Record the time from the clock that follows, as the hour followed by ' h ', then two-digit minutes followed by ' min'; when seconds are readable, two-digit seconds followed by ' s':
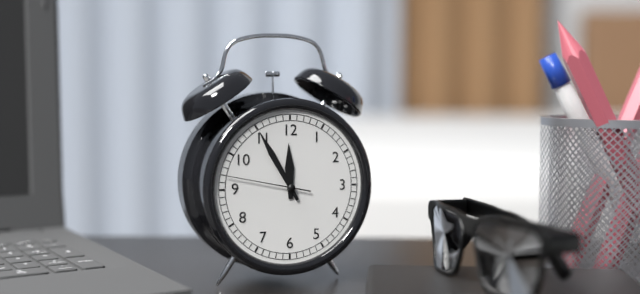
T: 11 h 55 min 47 s
